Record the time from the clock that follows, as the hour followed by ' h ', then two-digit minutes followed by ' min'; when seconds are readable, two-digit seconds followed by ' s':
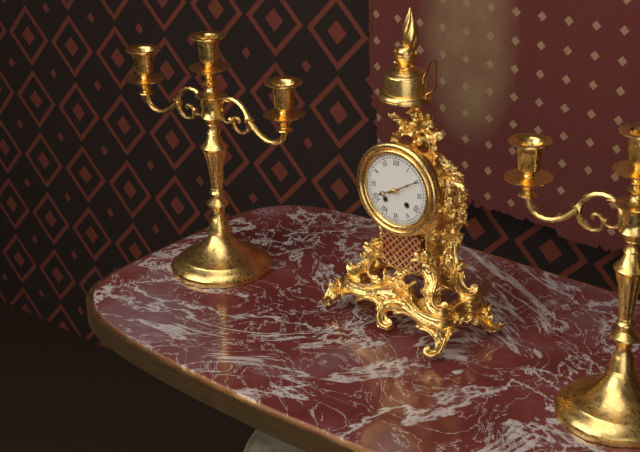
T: 8 h 10 min
